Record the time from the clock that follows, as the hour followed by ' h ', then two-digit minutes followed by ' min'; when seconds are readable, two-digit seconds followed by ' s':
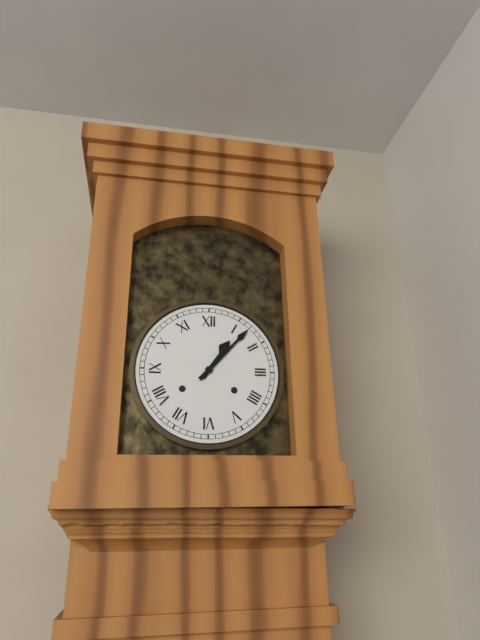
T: 1 h 07 min
